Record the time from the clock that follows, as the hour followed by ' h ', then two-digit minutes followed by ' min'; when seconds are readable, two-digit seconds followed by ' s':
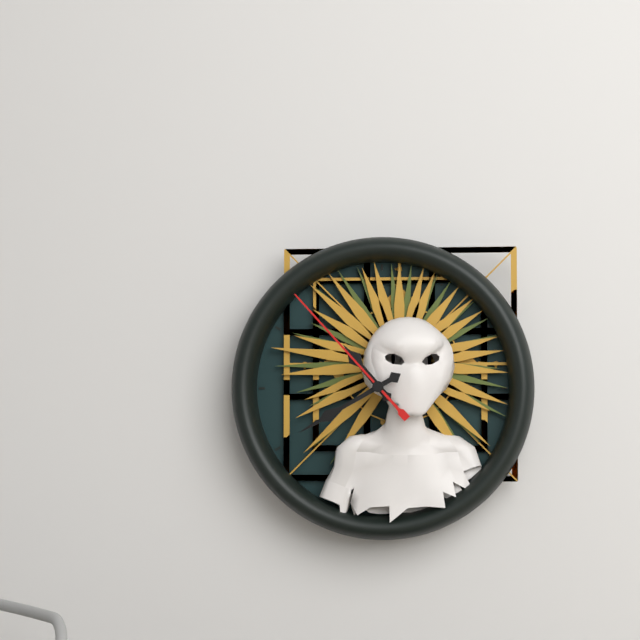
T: 10 h 40 min 53 s
